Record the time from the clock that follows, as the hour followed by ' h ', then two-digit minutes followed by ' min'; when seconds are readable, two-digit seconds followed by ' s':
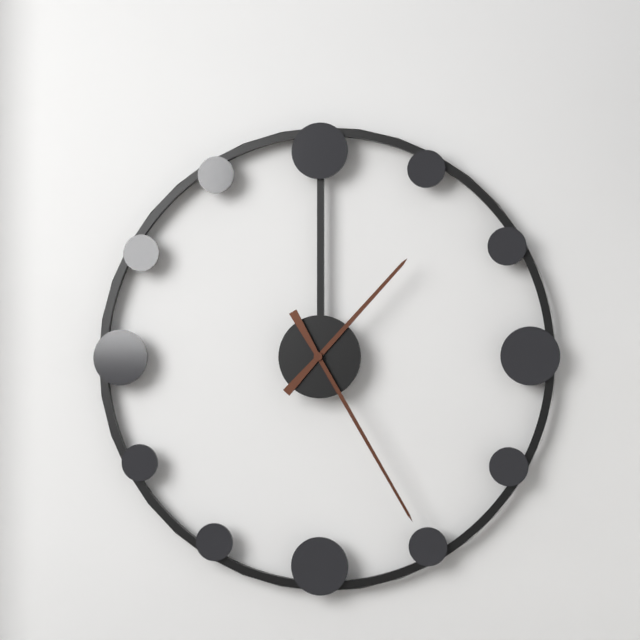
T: 1 h 25 min
